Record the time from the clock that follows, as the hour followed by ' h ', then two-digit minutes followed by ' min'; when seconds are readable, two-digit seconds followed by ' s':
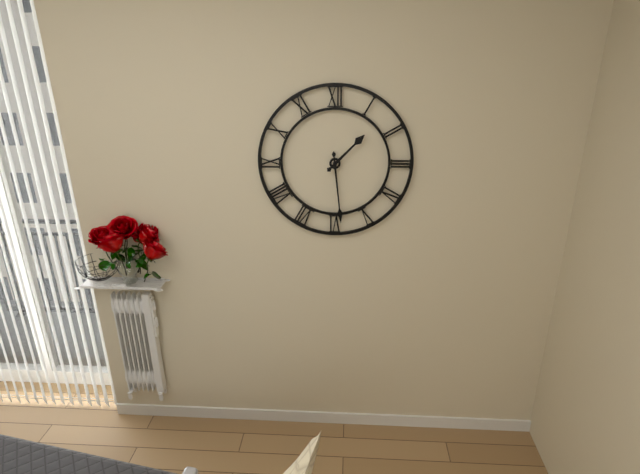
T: 1 h 29 min
